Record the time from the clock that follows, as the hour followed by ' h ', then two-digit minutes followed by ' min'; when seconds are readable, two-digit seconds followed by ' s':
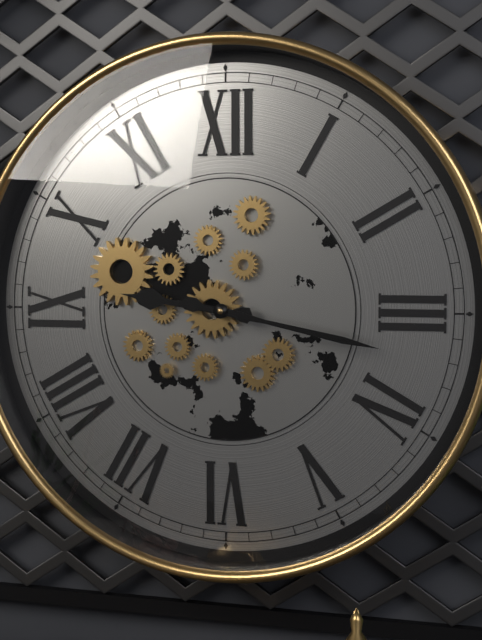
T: 9 h 17 min
